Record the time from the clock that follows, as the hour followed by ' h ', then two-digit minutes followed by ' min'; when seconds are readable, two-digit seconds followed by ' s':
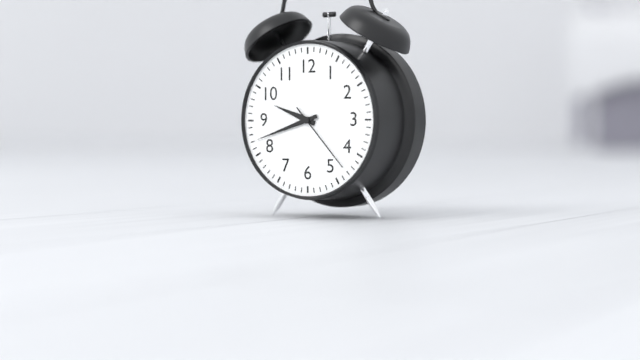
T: 9 h 42 min 23 s
